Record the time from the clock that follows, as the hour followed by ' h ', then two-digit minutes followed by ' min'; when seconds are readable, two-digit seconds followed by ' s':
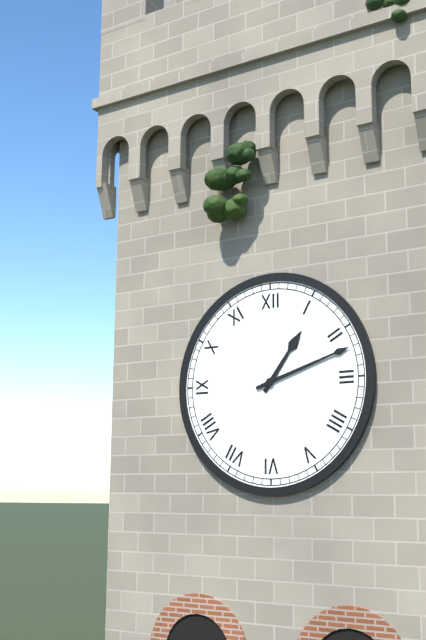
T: 1 h 12 min
